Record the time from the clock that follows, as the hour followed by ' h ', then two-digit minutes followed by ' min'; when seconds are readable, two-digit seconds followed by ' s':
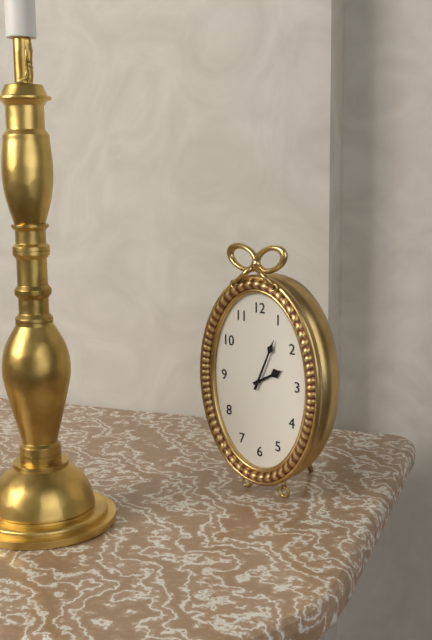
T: 2 h 04 min
